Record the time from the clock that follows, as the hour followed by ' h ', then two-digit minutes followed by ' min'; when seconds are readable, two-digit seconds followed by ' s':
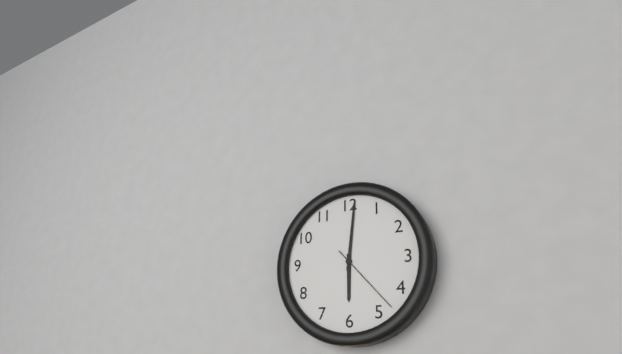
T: 6 h 01 min 23 s
